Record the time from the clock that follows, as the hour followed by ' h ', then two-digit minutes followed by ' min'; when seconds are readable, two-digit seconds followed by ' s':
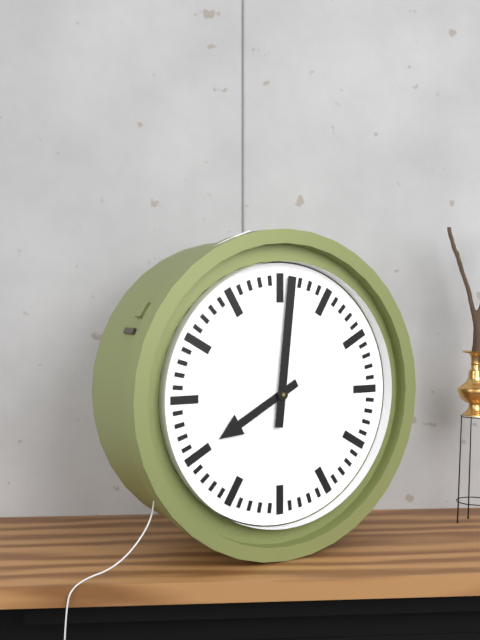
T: 8 h 01 min
